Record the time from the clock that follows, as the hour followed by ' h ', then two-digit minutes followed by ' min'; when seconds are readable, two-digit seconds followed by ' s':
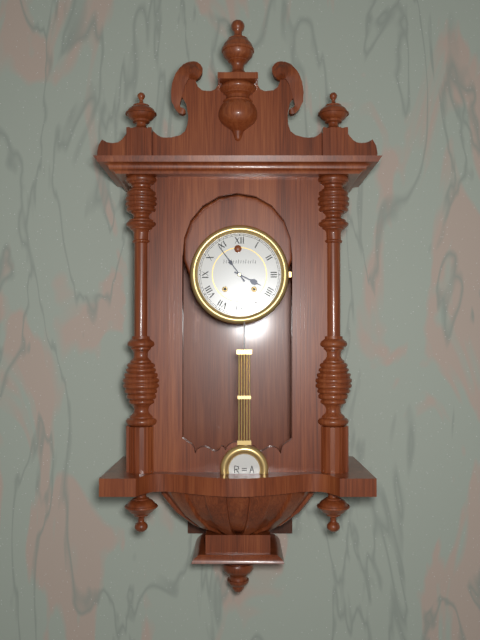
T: 3 h 54 min
